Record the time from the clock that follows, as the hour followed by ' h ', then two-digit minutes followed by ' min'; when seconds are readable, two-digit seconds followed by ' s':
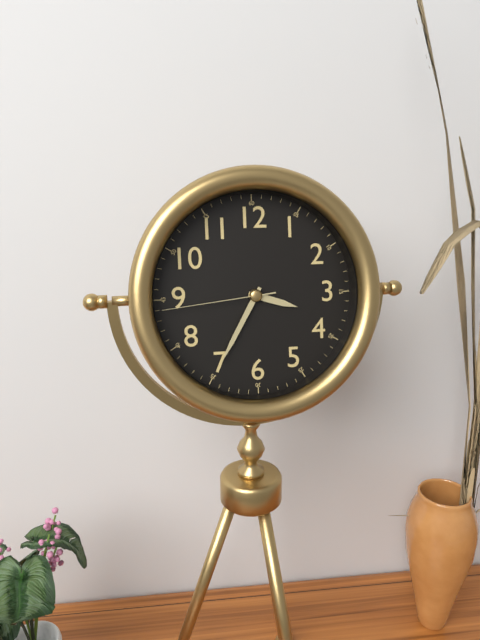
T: 3 h 35 min 44 s
